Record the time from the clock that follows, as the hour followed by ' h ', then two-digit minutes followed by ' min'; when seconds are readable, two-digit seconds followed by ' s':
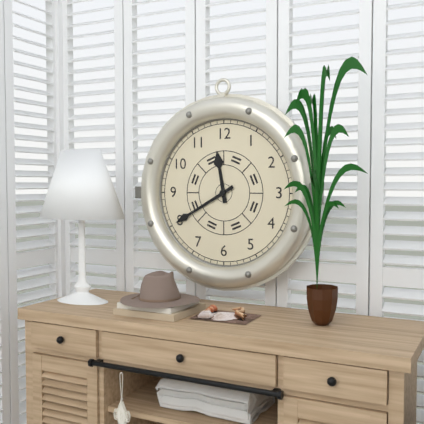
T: 11 h 40 min
